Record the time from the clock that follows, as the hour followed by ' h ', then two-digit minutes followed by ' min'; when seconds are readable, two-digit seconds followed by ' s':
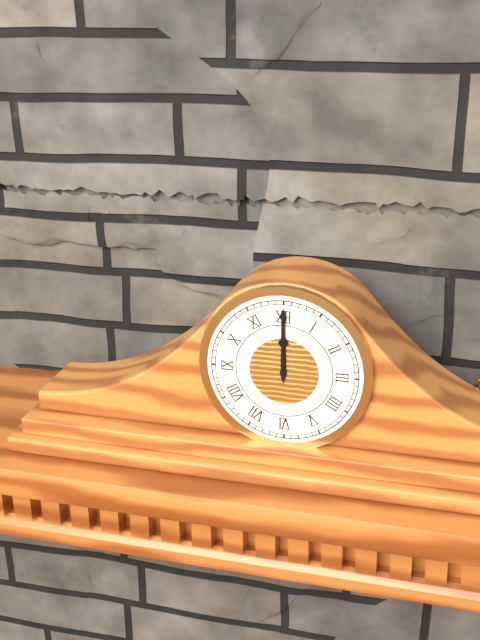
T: 12 h 00 min
